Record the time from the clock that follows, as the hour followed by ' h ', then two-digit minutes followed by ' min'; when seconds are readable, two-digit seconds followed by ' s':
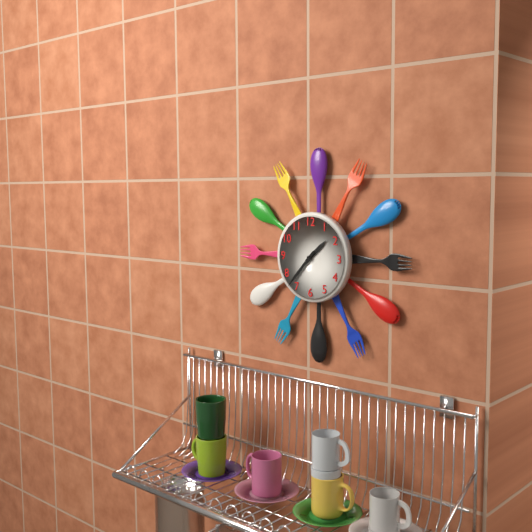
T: 1 h 37 min
